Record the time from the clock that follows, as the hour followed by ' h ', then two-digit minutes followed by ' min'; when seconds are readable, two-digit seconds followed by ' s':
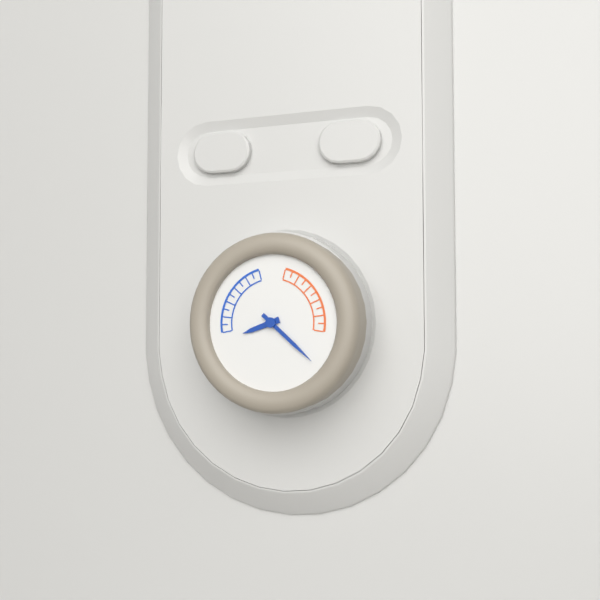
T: 8 h 22 min
